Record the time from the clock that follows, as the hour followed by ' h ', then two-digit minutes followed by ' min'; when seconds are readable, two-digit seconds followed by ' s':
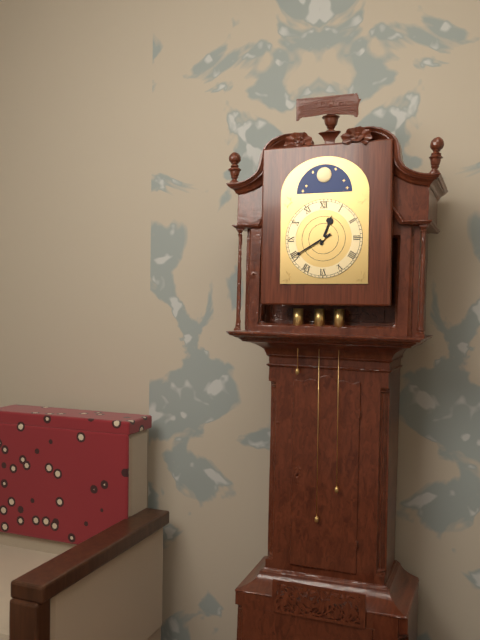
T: 12 h 40 min
